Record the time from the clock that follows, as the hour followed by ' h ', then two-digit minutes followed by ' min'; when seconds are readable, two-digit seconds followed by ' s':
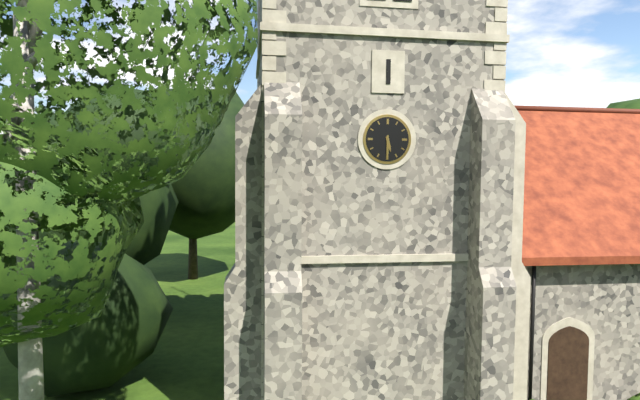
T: 5 h 30 min
